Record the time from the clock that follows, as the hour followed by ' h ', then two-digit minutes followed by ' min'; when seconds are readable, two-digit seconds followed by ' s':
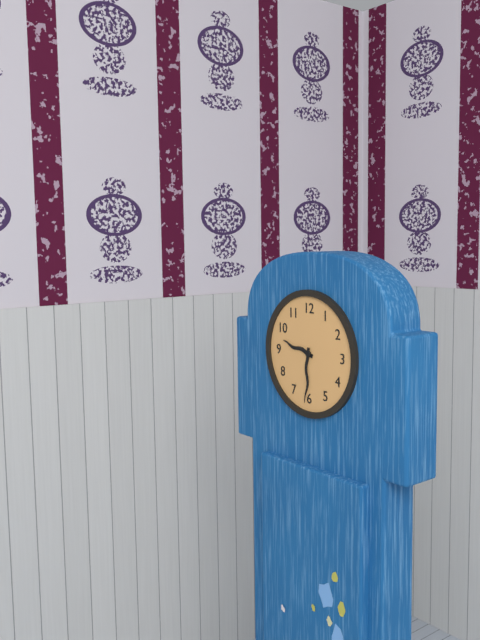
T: 9 h 31 min
